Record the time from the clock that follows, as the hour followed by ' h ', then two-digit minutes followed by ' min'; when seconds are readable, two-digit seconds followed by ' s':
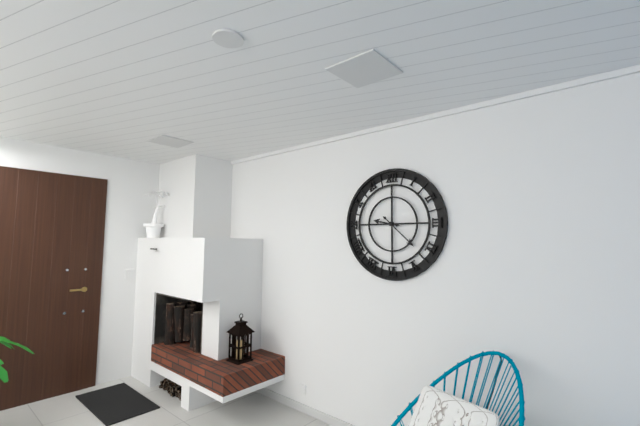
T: 9 h 22 min
